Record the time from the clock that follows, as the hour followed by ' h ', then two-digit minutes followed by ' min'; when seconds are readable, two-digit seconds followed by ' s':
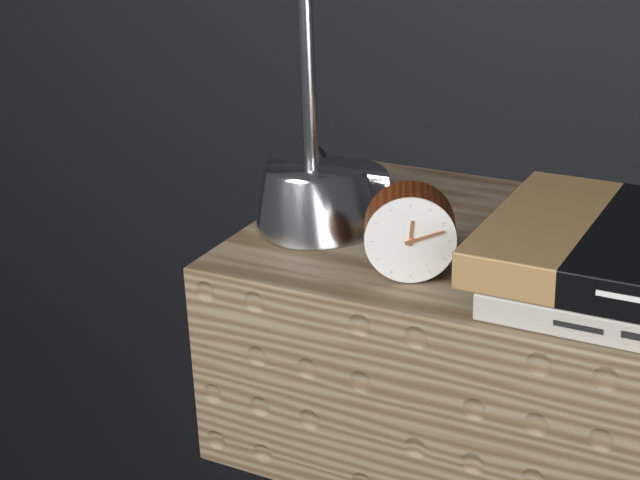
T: 12 h 12 min
